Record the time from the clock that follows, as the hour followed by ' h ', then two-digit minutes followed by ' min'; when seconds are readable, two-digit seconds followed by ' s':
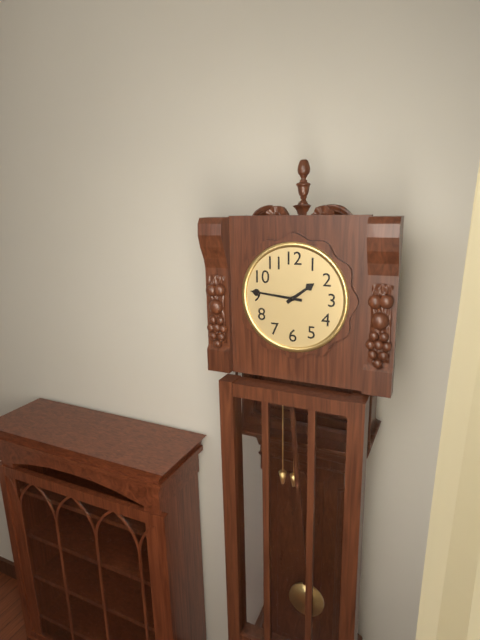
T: 1 h 46 min
